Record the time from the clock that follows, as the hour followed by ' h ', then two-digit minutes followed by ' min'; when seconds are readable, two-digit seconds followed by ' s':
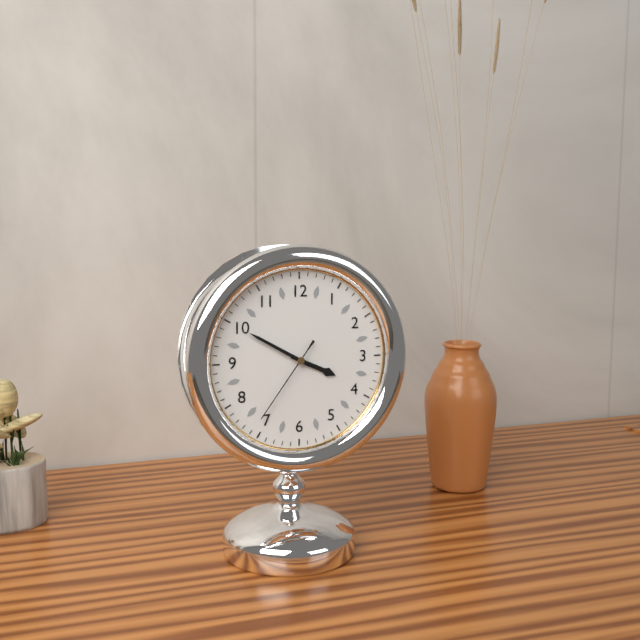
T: 3 h 50 min 36 s
